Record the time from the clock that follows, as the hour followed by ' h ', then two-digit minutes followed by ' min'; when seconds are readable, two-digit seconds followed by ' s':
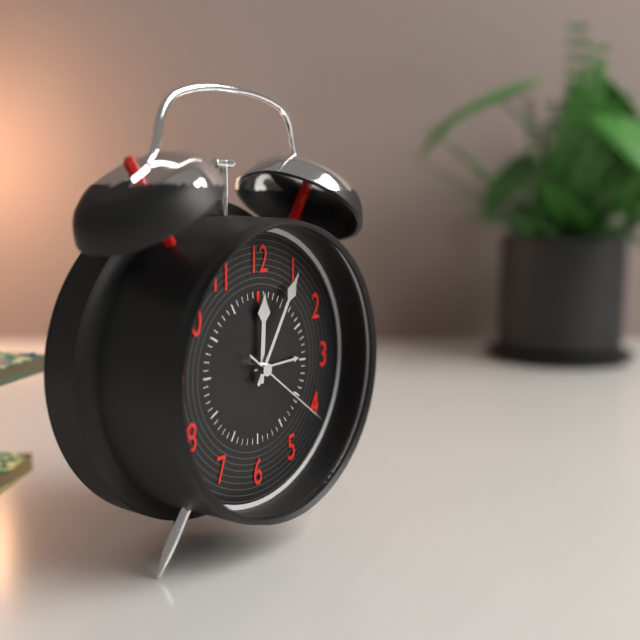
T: 12 h 05 min 21 s
